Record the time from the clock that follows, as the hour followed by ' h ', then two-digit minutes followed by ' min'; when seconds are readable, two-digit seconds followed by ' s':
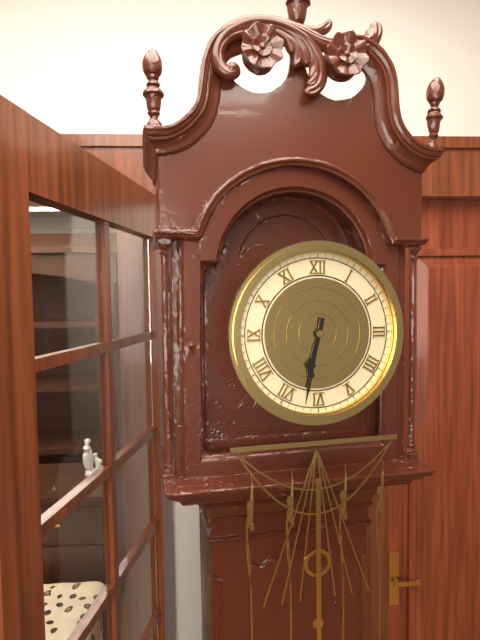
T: 6 h 32 min
